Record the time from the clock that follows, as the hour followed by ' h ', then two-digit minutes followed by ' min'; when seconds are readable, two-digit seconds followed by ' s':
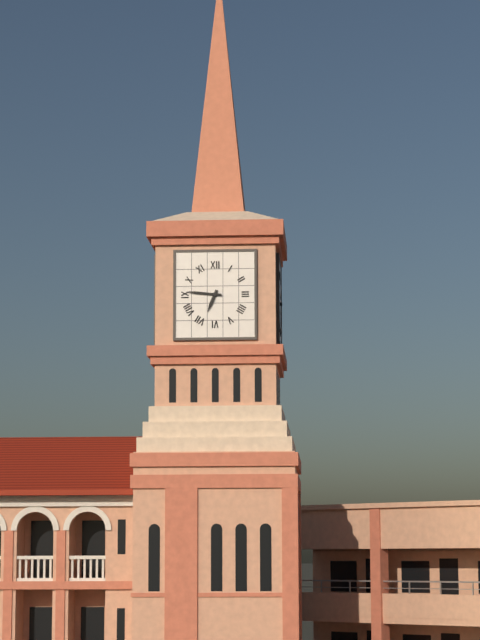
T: 6 h 46 min
